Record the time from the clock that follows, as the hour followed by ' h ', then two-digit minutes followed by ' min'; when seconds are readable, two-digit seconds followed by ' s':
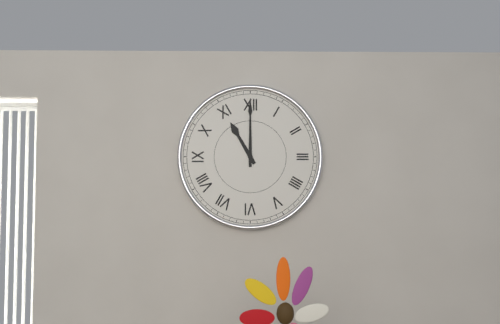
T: 11 h 00 min
